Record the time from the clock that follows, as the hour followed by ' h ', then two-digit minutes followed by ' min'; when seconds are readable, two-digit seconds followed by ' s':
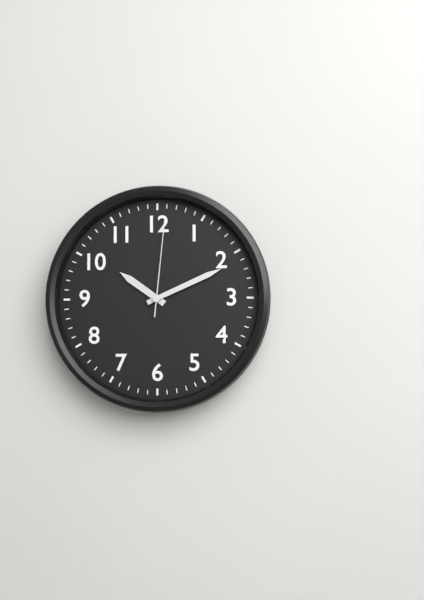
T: 10 h 11 min 01 s
